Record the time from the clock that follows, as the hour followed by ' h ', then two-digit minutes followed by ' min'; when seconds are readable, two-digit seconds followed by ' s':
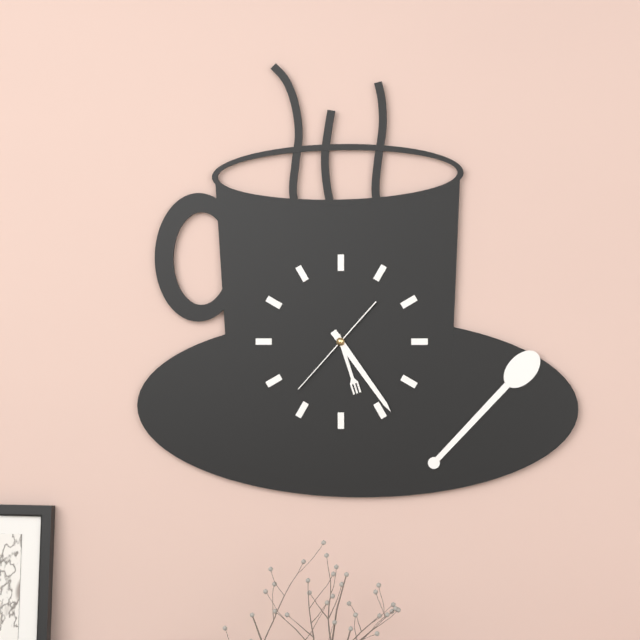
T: 5 h 24 min 37 s
